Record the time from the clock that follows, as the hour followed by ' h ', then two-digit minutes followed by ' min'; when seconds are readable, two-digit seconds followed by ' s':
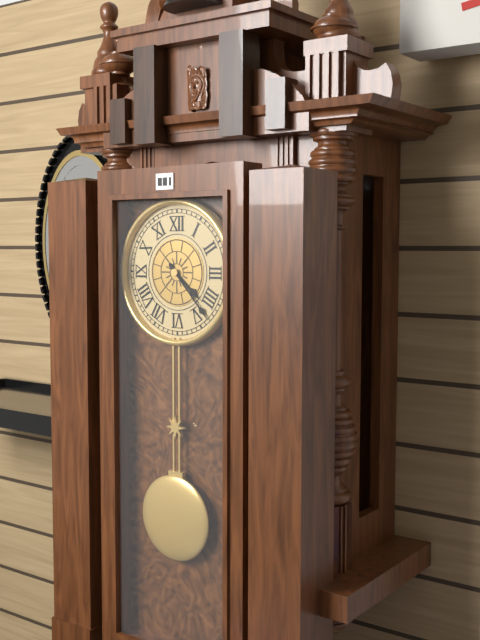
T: 4 h 23 min
